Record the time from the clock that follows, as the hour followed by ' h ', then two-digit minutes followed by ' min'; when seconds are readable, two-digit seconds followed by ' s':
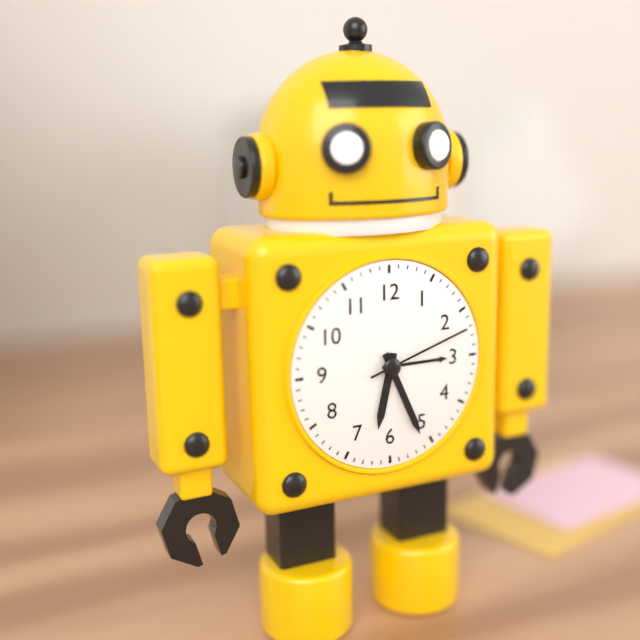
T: 6 h 26 min 12 s
